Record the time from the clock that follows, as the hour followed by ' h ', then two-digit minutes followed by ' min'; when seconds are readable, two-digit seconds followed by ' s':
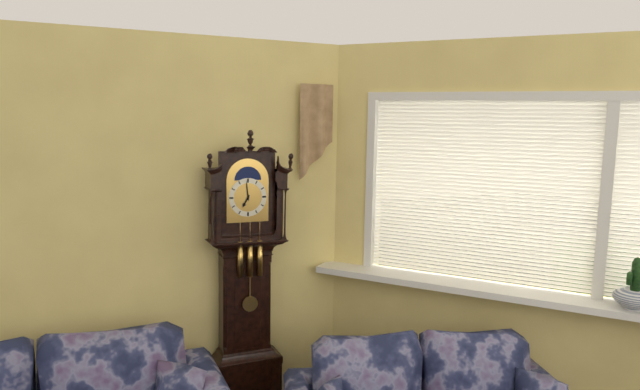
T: 6 h 59 min
